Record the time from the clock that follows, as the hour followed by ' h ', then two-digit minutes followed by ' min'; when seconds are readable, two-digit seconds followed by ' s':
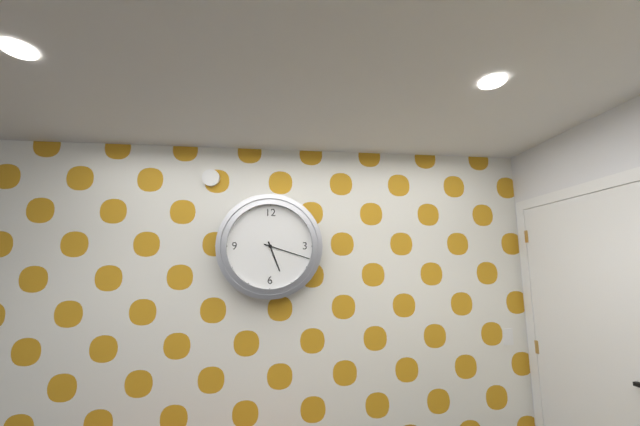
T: 5 h 18 min
